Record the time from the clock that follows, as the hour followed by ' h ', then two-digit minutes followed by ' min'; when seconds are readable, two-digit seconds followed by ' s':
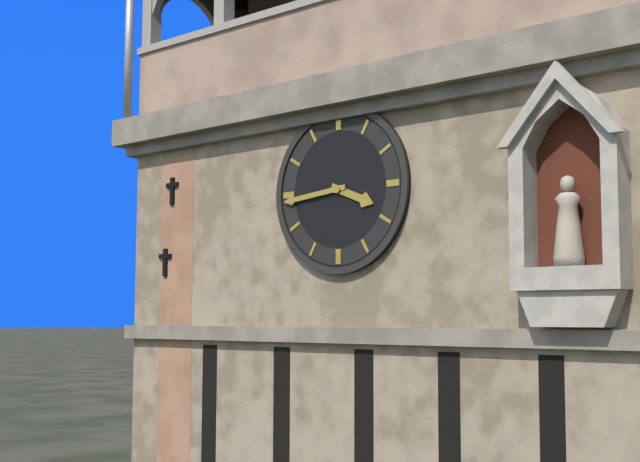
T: 3 h 44 min
